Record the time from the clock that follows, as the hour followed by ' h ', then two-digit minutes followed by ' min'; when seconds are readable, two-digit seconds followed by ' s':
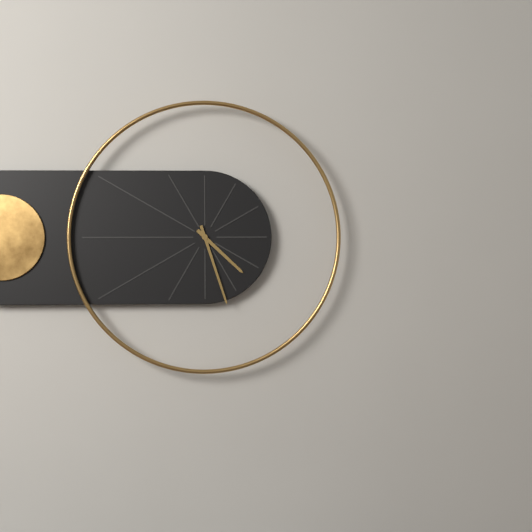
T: 4 h 27 min
